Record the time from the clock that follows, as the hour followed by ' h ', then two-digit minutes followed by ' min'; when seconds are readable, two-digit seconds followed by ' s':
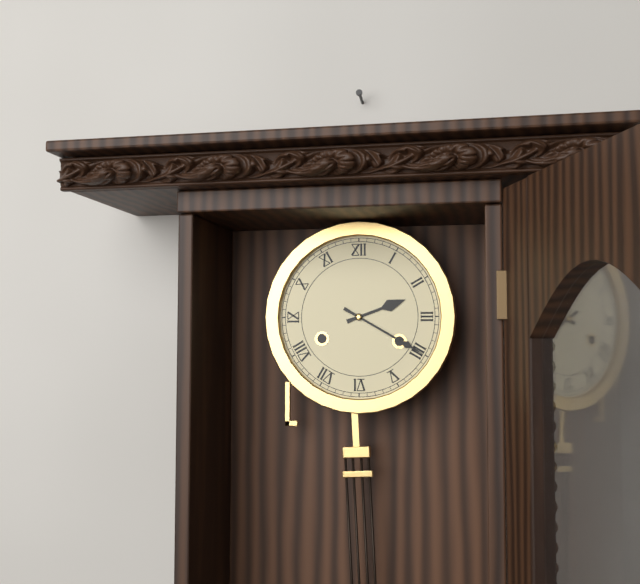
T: 2 h 20 min
